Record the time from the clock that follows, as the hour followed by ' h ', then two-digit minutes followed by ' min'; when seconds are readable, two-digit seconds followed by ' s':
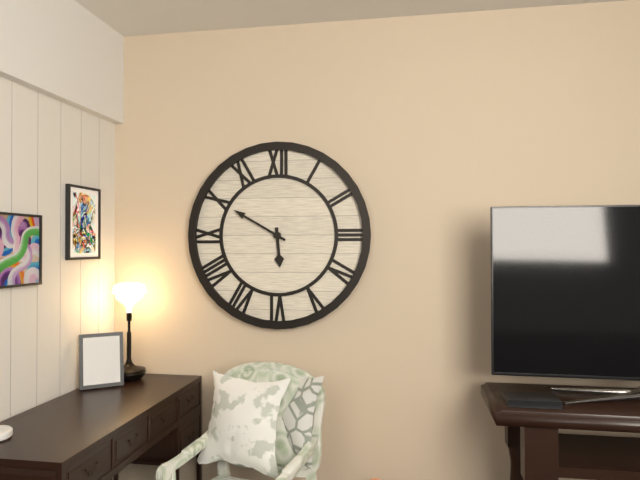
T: 5 h 50 min
